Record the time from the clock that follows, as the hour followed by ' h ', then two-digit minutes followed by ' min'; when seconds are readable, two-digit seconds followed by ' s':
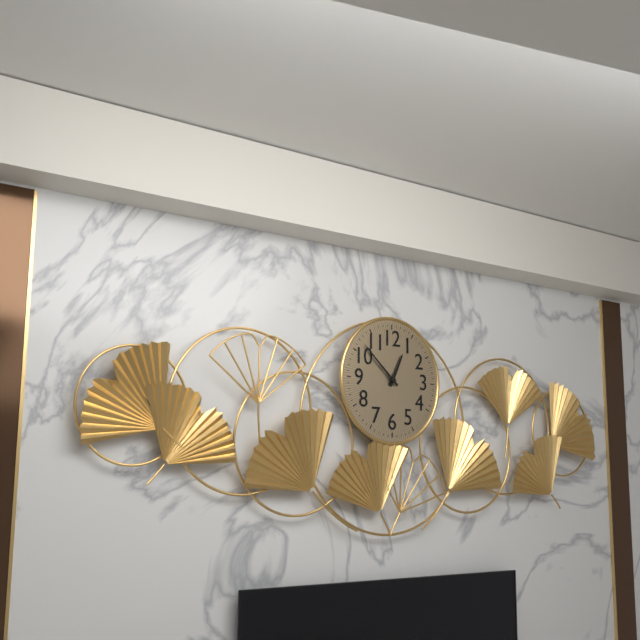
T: 12 h 52 min
